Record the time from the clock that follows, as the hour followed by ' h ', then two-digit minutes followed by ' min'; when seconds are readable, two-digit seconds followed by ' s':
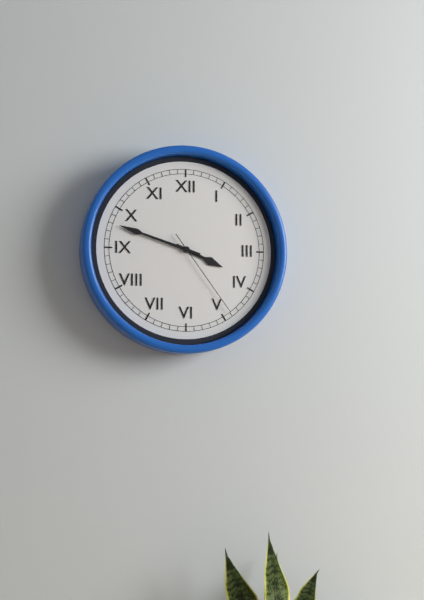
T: 3 h 48 min 24 s
